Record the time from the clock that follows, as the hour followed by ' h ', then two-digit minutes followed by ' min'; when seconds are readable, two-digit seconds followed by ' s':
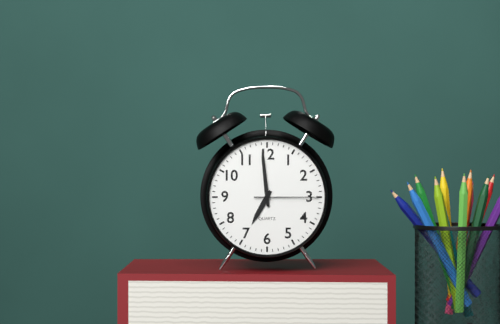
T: 6 h 59 min 15 s
